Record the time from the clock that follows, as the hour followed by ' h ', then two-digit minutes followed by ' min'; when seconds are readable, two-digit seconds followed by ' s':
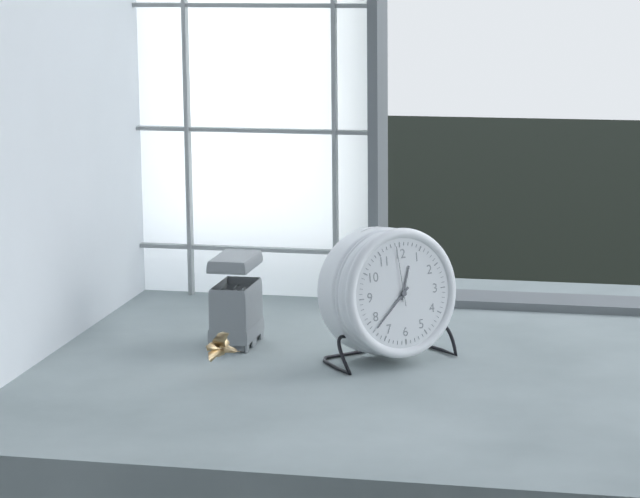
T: 12 h 38 min 59 s
